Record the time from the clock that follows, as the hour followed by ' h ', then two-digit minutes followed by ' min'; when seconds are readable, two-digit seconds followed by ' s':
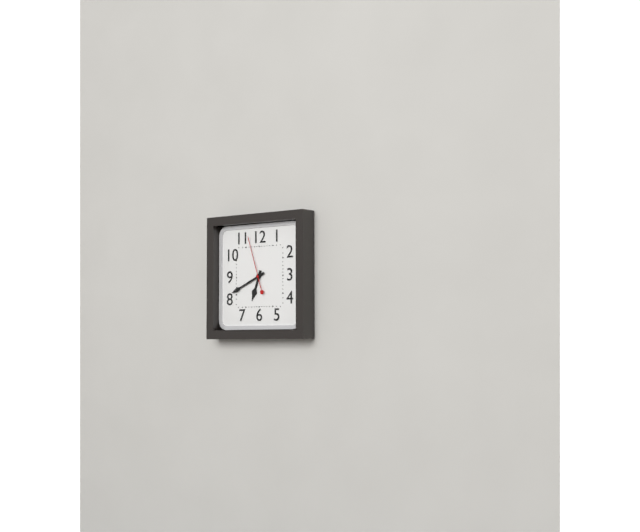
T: 6 h 41 min 57 s
